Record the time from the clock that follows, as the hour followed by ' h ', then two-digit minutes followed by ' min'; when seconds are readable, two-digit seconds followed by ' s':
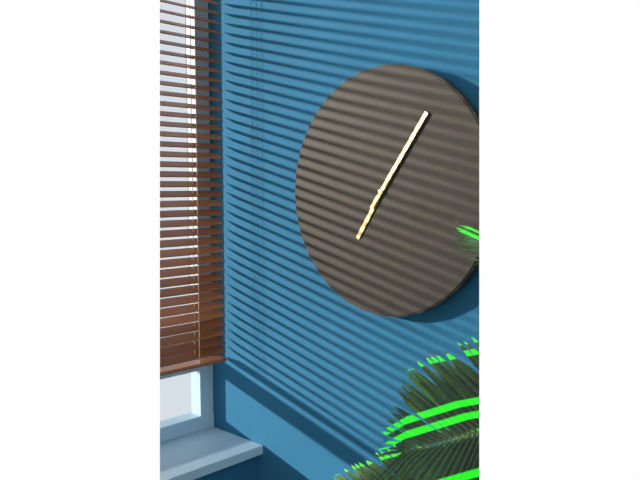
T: 7 h 06 min
